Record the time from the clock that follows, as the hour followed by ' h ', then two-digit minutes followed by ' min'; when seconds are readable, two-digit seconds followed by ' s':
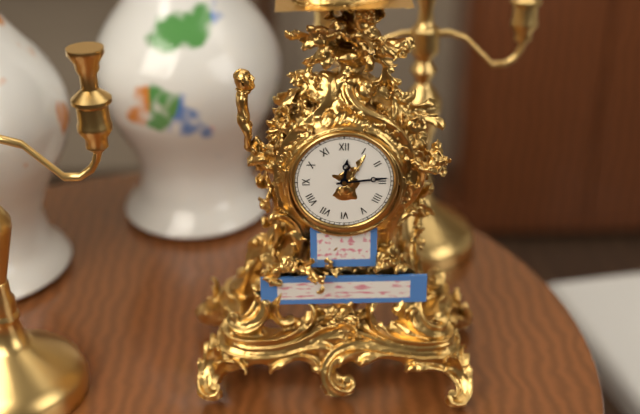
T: 12 h 14 min
